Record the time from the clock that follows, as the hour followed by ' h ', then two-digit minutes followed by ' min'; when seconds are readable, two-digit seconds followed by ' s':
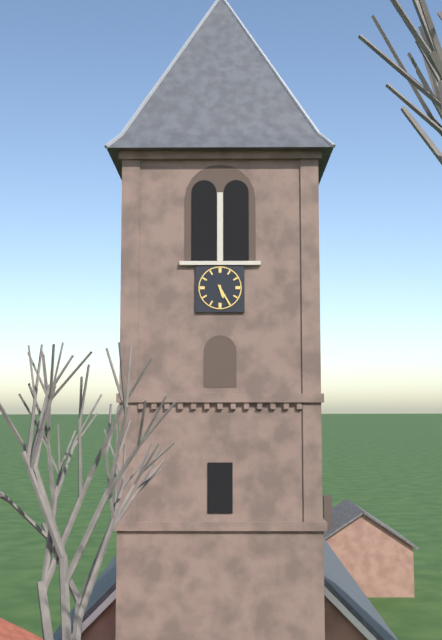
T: 5 h 25 min
